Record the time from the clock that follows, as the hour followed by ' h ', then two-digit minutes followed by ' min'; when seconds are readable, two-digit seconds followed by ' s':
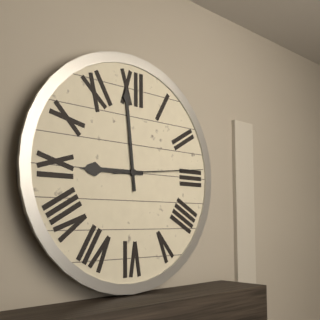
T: 8 h 59 min 14 s
